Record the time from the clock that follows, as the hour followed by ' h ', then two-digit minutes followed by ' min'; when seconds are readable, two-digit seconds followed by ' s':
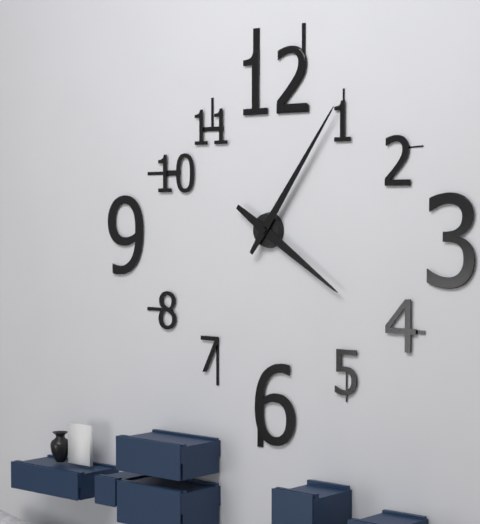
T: 4 h 06 min
